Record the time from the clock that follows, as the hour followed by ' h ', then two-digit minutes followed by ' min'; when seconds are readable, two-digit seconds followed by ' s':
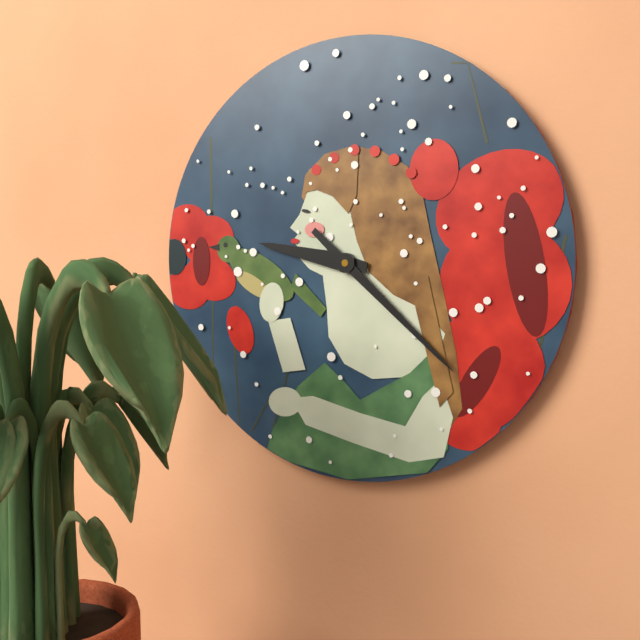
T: 9 h 22 min
